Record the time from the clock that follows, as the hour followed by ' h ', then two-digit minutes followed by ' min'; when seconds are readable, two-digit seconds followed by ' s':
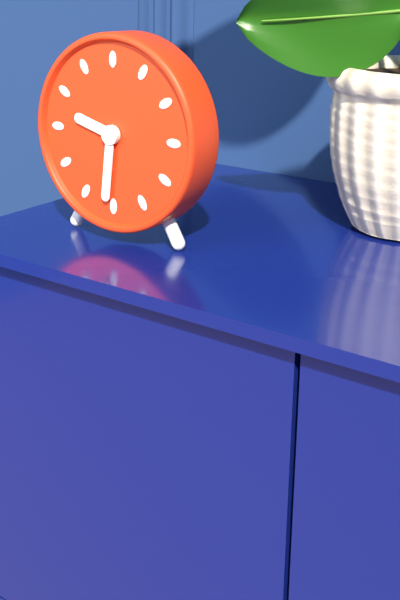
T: 9 h 31 min
